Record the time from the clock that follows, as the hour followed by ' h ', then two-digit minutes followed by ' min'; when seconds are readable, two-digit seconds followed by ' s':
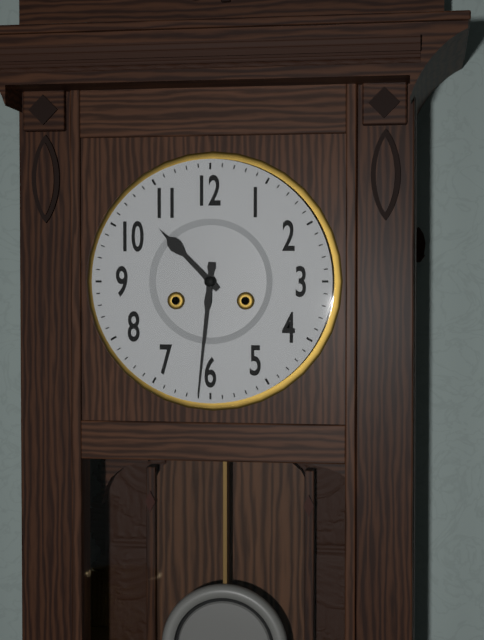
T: 10 h 31 min
